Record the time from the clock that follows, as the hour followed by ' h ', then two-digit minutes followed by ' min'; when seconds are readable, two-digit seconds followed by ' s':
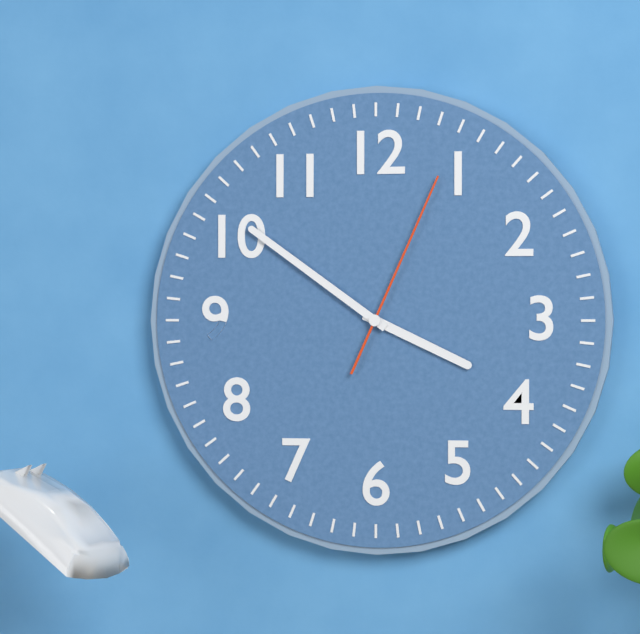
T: 3 h 51 min 04 s
